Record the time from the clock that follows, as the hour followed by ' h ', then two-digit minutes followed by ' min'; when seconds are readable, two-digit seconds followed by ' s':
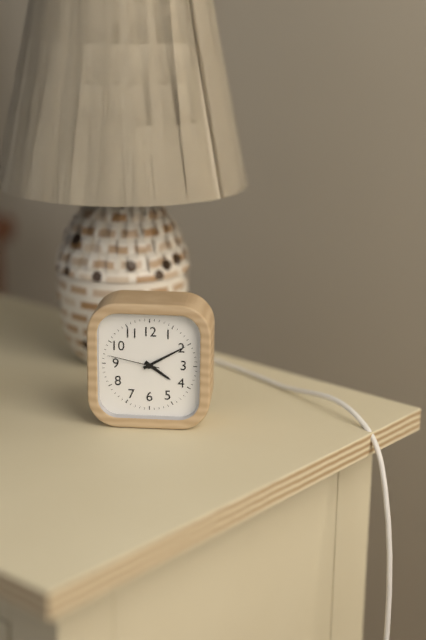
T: 4 h 10 min 47 s
